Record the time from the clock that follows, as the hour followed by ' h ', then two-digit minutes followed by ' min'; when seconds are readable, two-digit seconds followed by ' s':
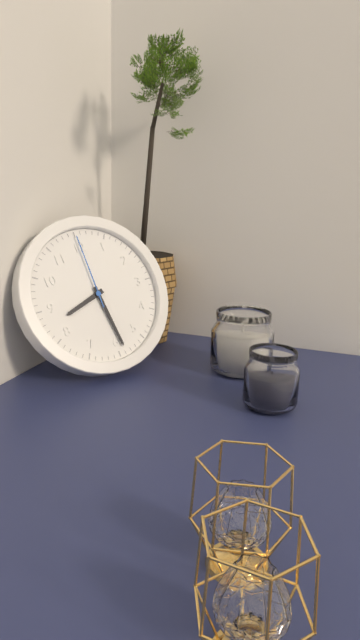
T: 8 h 29 min 00 s
